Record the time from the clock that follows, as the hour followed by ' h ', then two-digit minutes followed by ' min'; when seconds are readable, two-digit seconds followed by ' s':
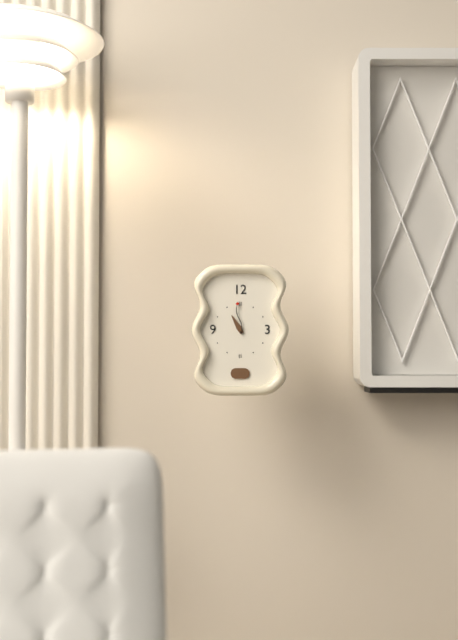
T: 10 h 59 min
